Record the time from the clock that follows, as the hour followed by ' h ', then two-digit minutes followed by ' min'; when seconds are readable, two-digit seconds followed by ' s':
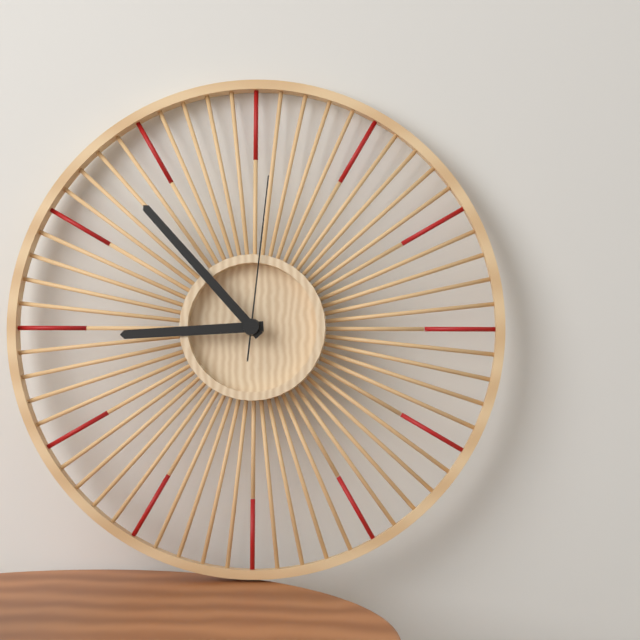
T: 8 h 53 min 01 s
